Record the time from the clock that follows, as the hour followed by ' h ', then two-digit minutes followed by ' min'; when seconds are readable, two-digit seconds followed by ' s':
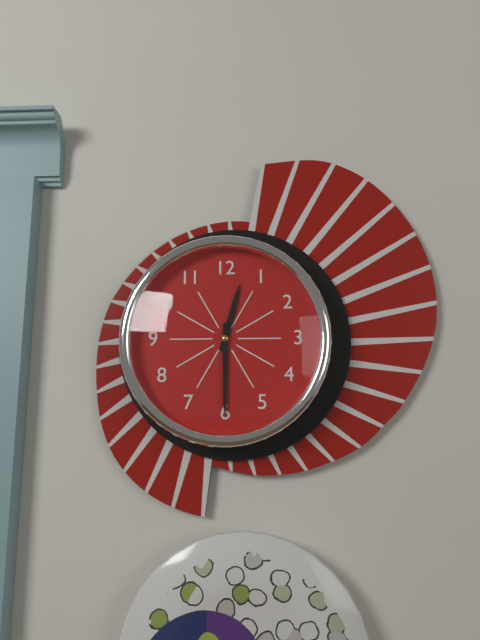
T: 12 h 30 min
